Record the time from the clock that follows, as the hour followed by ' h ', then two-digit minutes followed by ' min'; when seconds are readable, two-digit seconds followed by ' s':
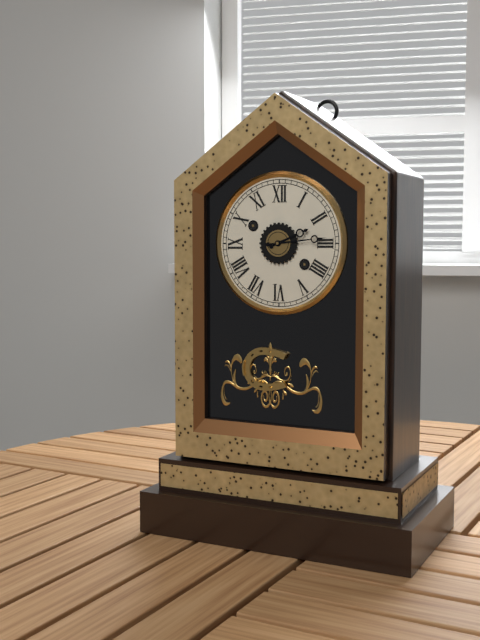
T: 2 h 14 min
